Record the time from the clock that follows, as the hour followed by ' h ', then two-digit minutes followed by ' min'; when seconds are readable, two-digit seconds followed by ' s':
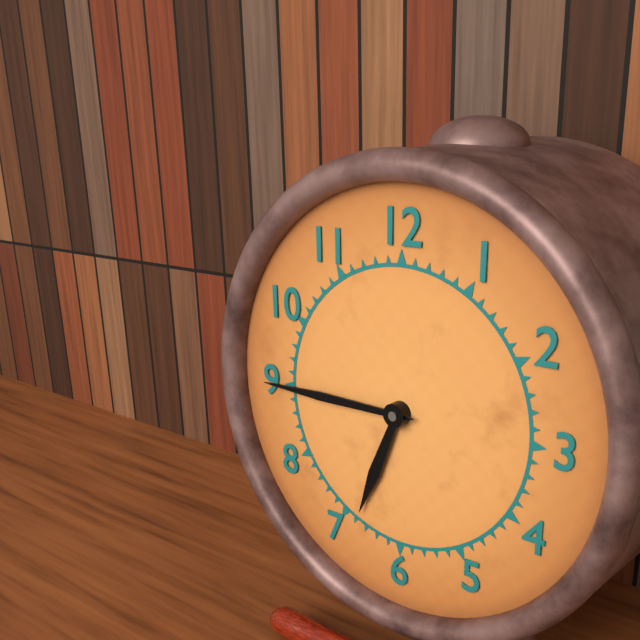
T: 6 h 45 min
